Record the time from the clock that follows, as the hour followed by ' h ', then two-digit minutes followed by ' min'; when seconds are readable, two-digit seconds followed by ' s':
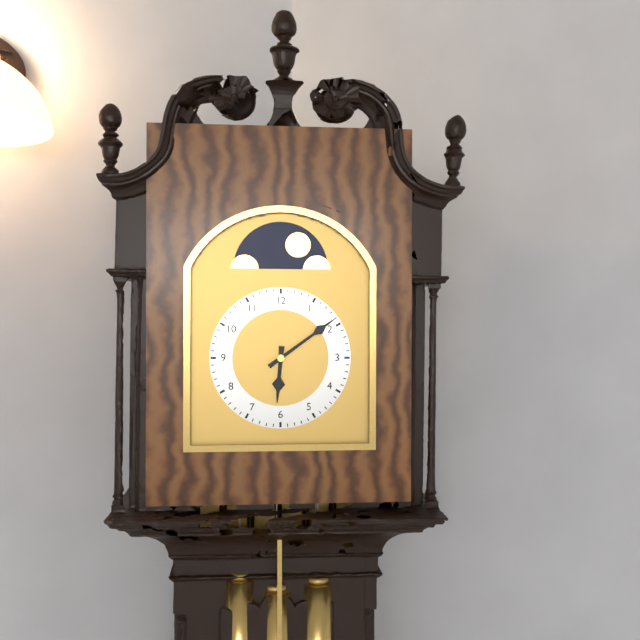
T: 6 h 09 min
